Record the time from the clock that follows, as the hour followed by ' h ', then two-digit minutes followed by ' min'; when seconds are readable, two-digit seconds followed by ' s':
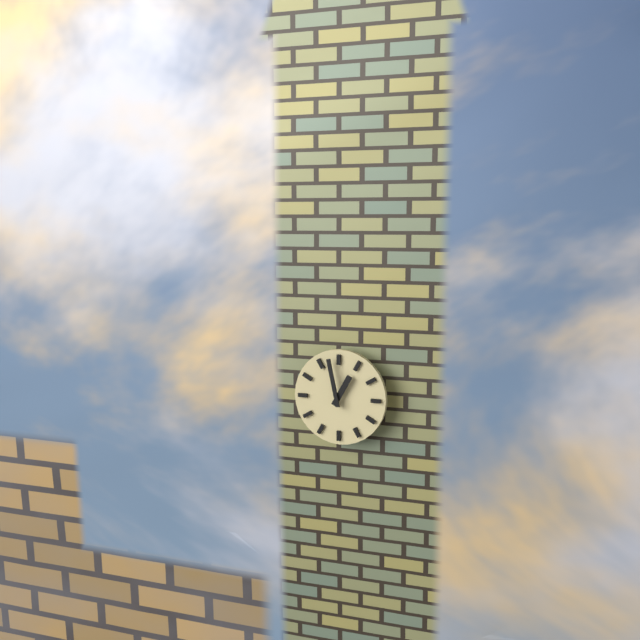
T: 12 h 58 min
